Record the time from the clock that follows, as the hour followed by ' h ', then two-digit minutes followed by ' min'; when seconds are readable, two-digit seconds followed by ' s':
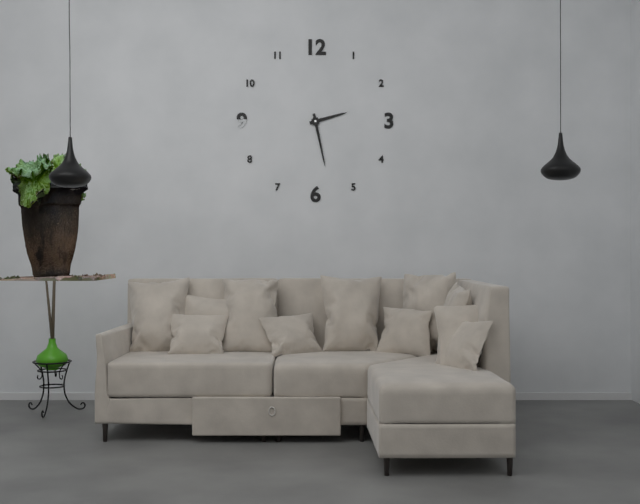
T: 2 h 28 min
